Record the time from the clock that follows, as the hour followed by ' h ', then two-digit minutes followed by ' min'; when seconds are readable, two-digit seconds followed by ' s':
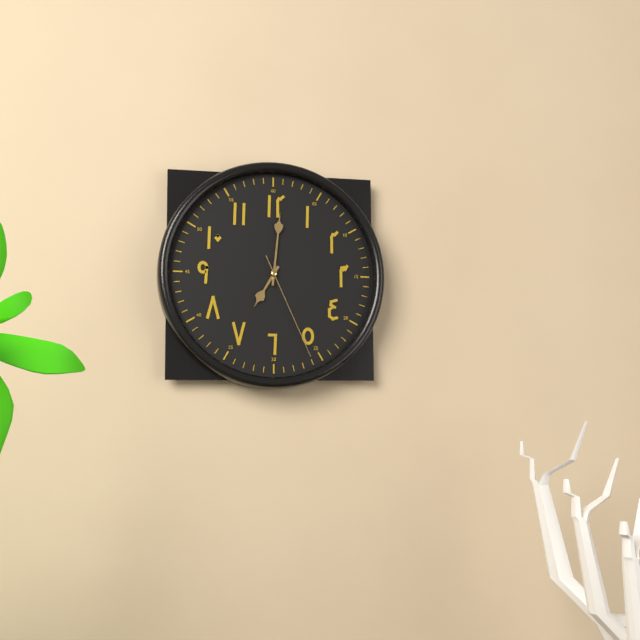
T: 7 h 01 min 26 s
